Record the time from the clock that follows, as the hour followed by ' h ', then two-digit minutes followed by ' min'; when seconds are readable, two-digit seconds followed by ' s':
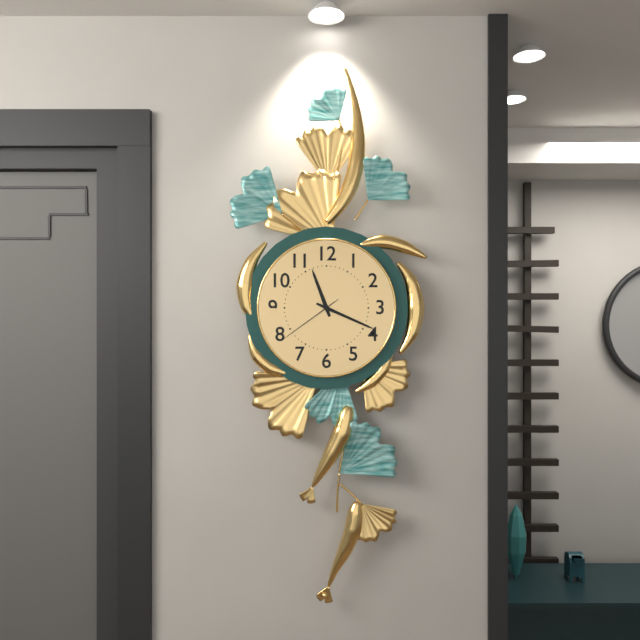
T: 11 h 19 min 39 s
